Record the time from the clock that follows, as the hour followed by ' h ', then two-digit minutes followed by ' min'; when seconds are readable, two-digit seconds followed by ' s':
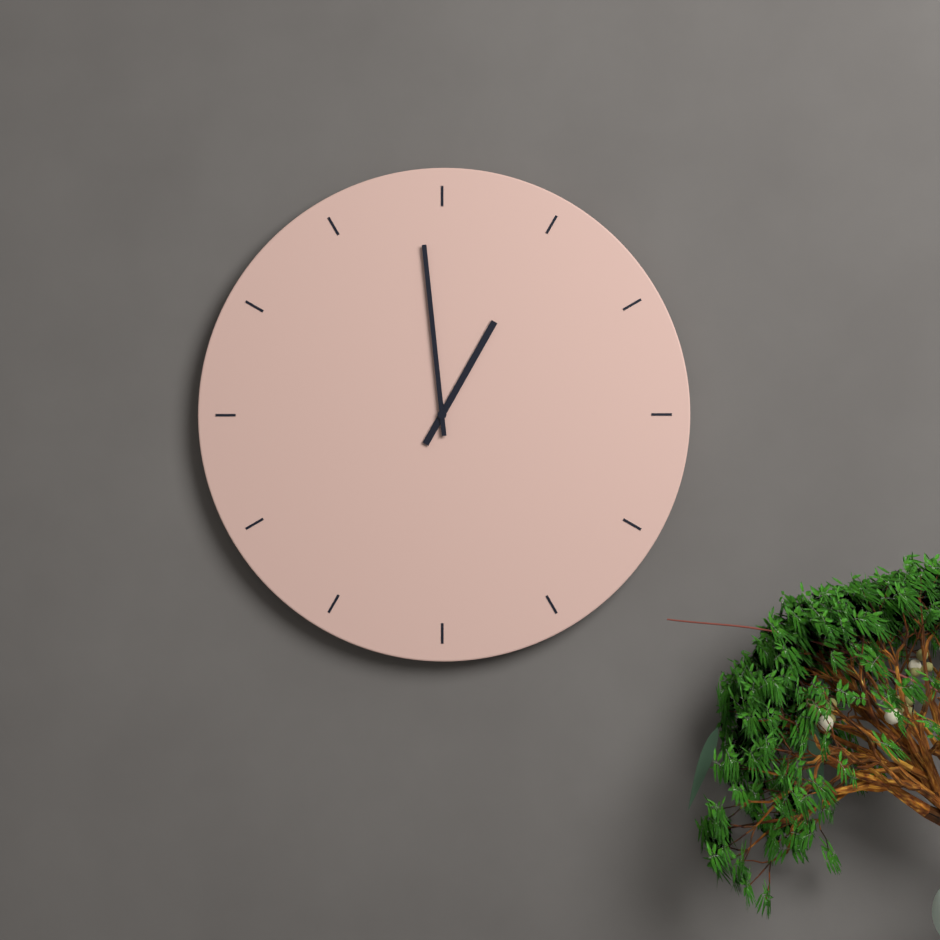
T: 12 h 59 min
